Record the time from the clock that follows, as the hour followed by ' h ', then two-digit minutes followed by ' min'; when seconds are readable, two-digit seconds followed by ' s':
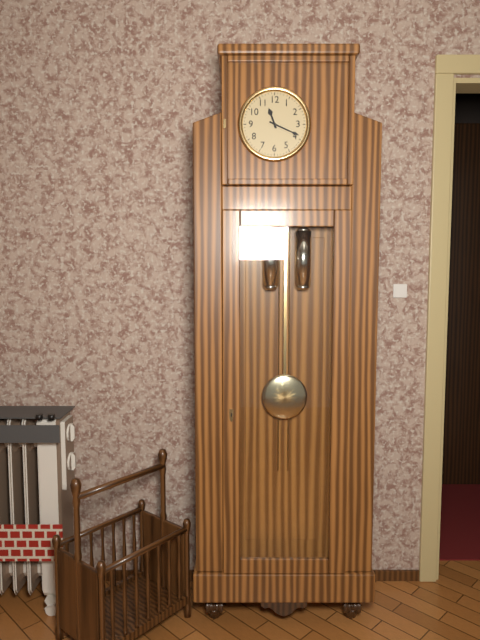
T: 11 h 19 min
